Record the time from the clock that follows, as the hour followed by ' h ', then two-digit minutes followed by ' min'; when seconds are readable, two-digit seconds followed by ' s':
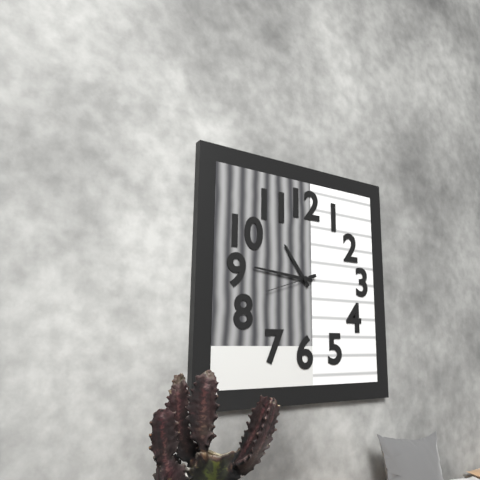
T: 10 h 46 min
